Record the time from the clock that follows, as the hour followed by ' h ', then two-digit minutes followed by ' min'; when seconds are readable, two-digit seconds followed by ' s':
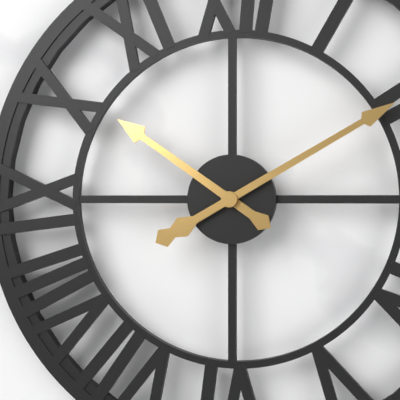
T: 10 h 10 min
